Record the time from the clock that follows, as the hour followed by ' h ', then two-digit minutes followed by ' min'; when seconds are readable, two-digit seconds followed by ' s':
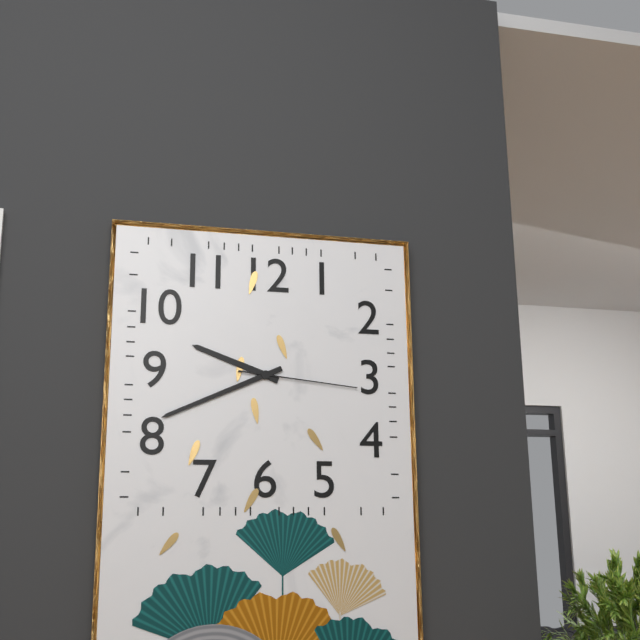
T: 9 h 41 min 16 s
